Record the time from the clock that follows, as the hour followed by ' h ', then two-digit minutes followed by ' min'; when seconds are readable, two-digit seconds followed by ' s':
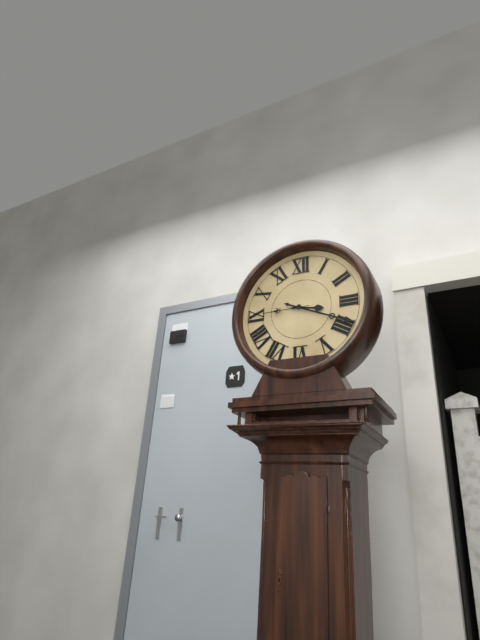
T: 3 h 19 min 45 s
